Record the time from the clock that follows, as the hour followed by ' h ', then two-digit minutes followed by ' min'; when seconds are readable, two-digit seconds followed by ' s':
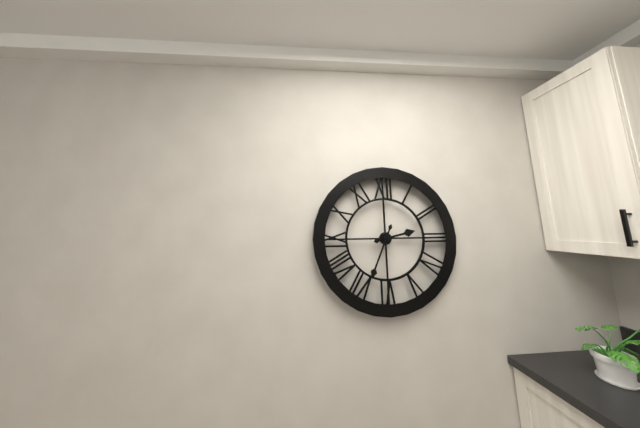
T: 2 h 34 min
